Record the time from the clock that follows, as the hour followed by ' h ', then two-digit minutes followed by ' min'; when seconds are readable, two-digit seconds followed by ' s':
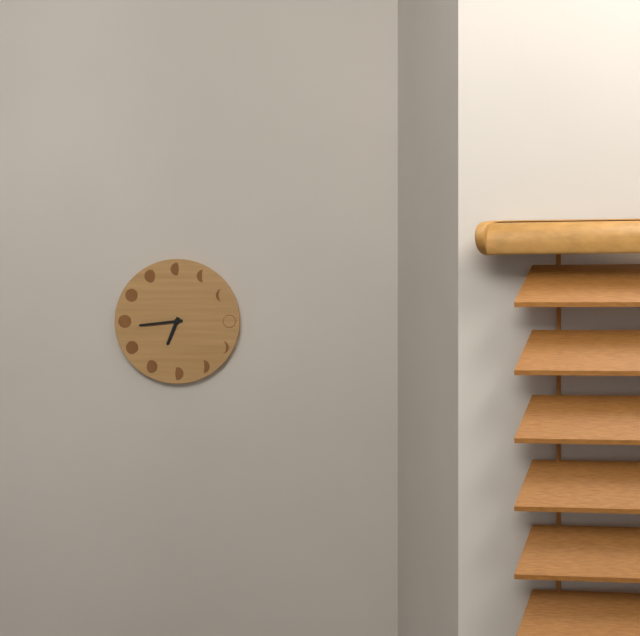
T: 6 h 44 min
